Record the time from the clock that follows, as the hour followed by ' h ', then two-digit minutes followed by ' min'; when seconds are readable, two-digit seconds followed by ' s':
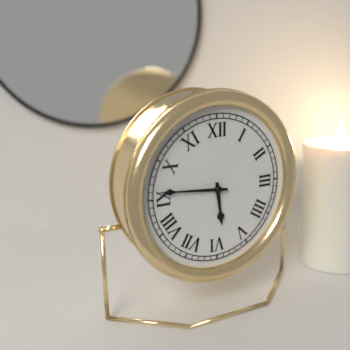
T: 5 h 46 min
